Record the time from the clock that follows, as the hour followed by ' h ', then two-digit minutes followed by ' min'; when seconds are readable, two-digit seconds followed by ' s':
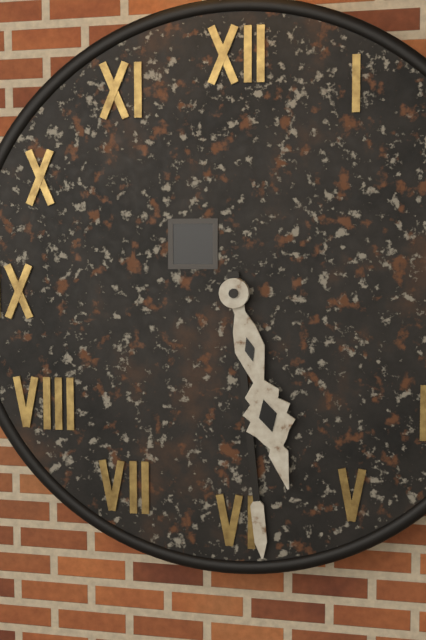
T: 5 h 29 min
